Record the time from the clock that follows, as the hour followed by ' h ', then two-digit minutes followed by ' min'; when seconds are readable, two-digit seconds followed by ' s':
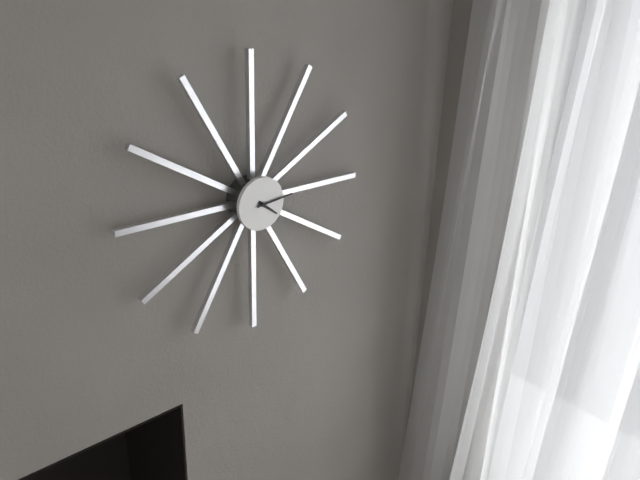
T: 4 h 14 min
